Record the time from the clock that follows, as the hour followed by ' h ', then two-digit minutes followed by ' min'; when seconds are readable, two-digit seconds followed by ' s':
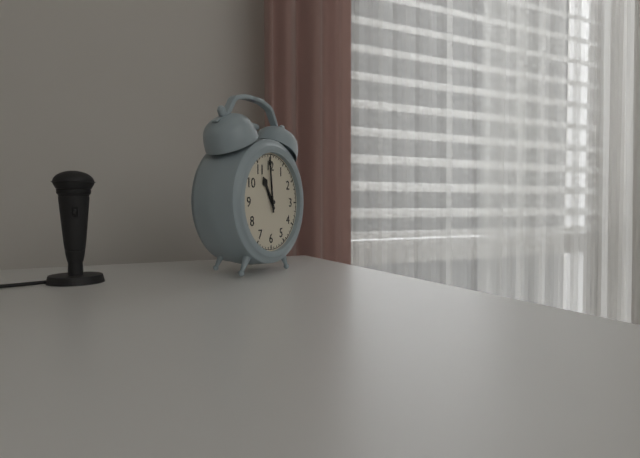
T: 10 h 59 min
